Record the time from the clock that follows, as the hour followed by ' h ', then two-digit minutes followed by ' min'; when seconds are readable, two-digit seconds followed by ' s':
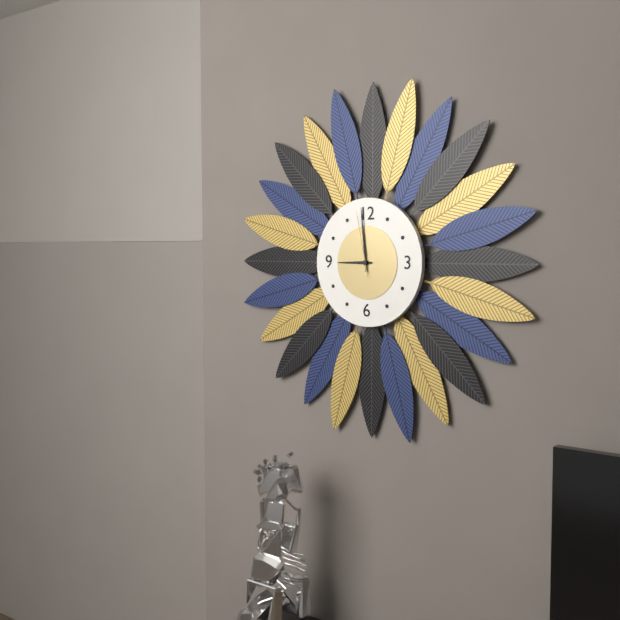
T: 8 h 59 min 58 s
